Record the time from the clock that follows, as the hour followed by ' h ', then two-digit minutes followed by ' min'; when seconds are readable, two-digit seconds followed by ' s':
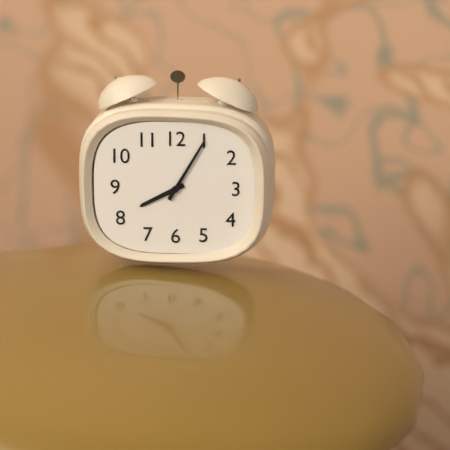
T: 8 h 05 min
